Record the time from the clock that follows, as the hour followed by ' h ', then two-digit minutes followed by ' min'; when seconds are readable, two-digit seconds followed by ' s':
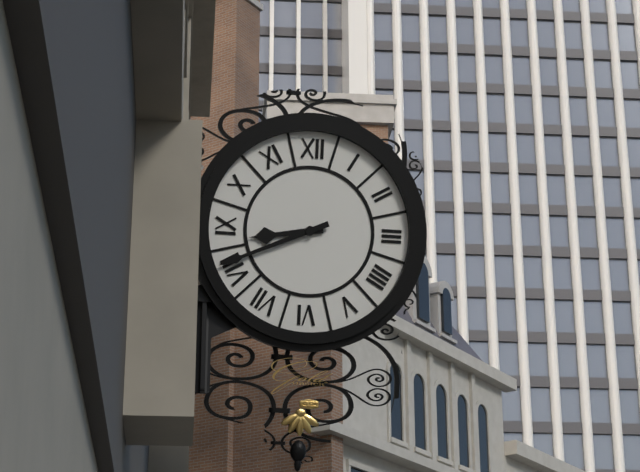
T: 8 h 41 min
